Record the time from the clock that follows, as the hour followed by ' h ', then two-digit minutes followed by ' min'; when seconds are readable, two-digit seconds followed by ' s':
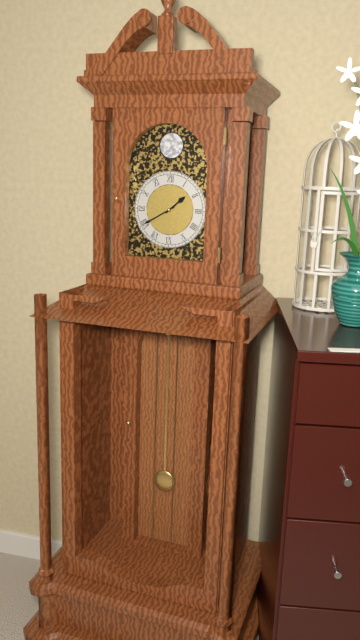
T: 1 h 40 min
